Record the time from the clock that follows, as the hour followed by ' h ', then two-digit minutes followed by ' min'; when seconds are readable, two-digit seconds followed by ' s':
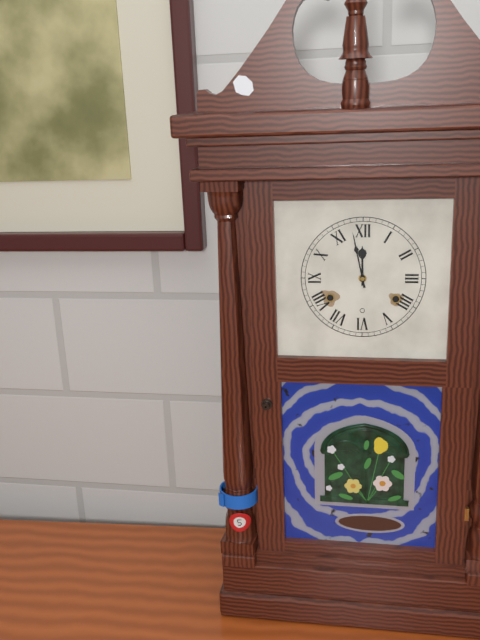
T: 11 h 58 min
